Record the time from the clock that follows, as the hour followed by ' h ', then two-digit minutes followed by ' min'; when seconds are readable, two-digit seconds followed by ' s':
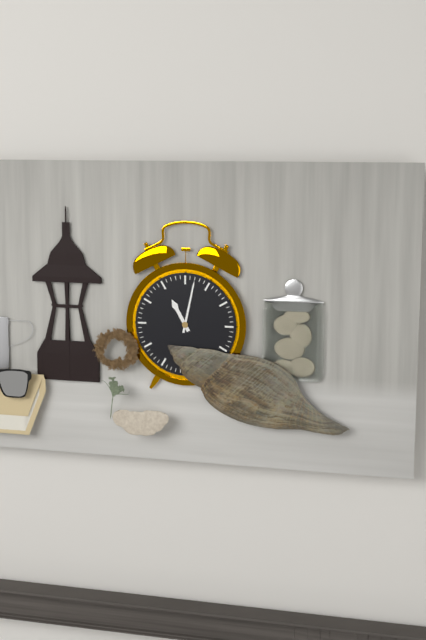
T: 11 h 02 min
